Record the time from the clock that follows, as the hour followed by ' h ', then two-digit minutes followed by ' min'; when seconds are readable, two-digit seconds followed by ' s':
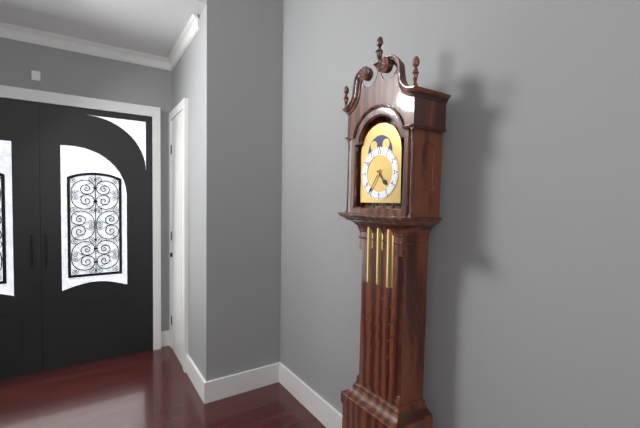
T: 4 h 36 min
